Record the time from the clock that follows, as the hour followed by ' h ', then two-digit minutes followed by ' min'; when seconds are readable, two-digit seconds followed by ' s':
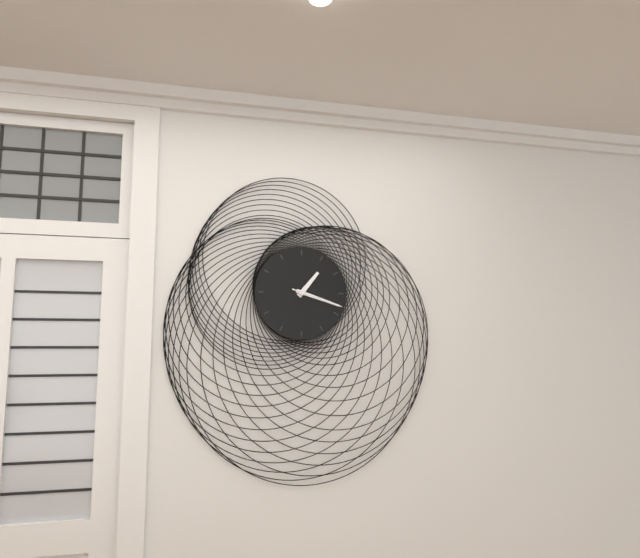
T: 1 h 18 min 18 s
